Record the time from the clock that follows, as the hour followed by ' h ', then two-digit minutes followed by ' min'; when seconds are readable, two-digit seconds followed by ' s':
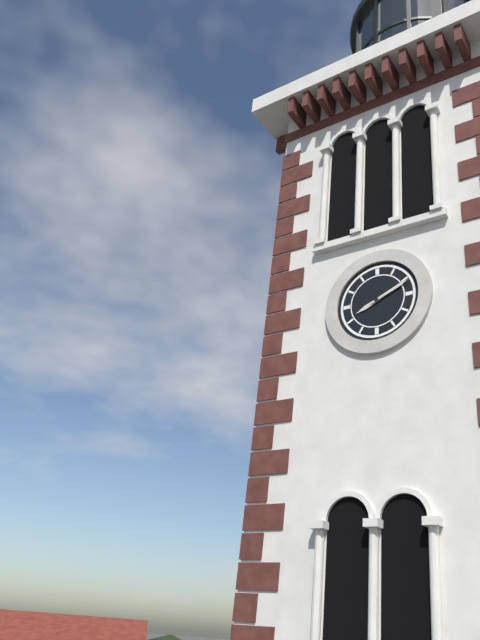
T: 8 h 11 min
